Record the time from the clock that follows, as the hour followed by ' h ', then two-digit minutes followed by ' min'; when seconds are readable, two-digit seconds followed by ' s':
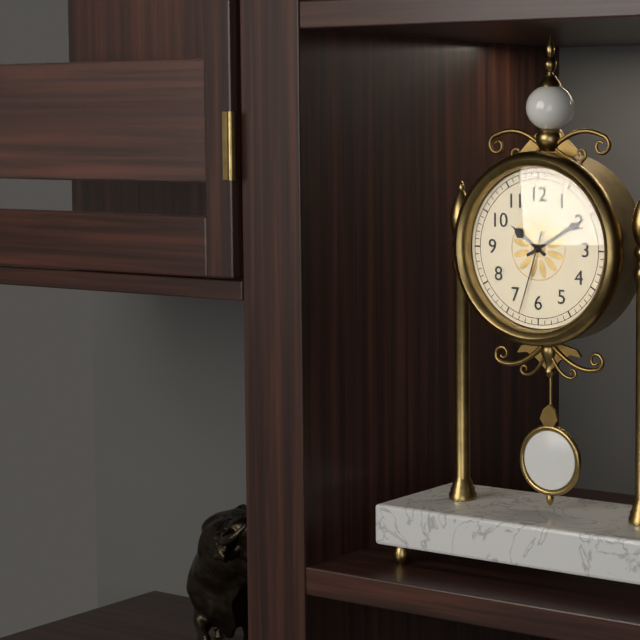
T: 10 h 10 min 33 s
